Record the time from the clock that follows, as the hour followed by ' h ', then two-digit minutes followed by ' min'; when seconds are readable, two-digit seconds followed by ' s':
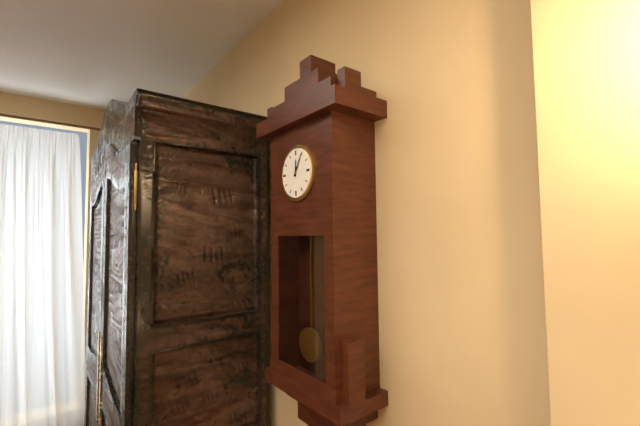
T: 12 h 05 min
